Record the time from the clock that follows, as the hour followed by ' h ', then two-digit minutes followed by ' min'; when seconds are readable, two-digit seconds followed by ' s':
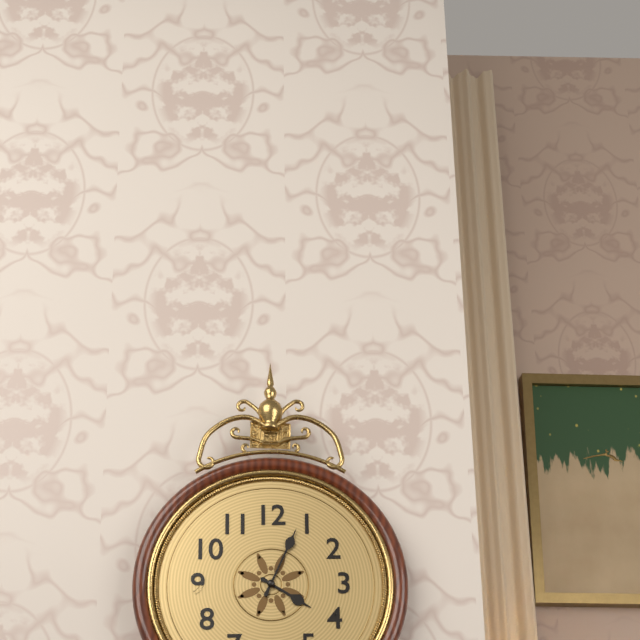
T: 4 h 04 min
